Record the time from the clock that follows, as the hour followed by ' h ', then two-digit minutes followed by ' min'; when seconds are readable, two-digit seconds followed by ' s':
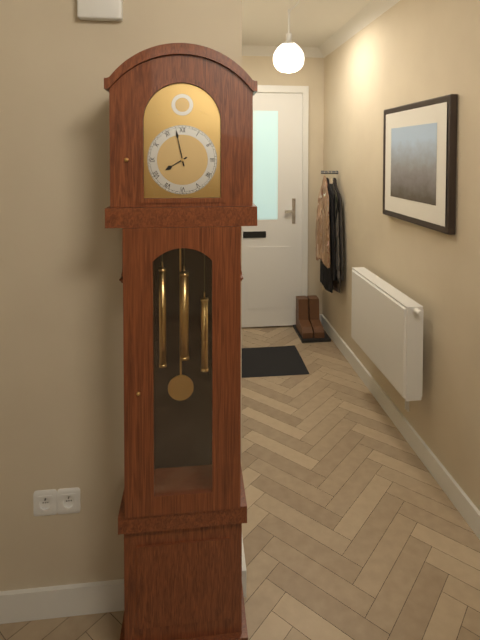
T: 7 h 58 min
